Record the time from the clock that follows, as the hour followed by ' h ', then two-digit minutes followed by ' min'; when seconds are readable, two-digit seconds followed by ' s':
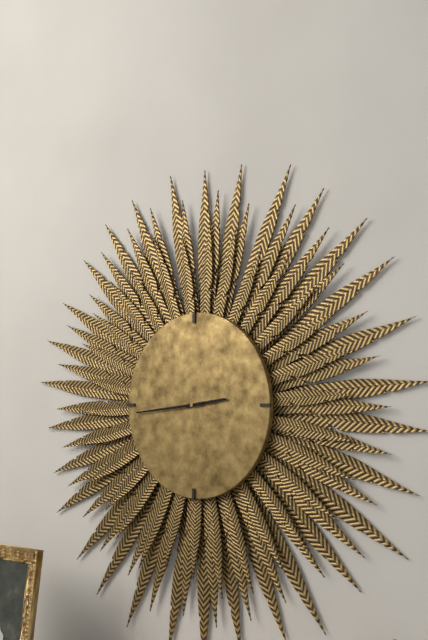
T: 2 h 44 min
